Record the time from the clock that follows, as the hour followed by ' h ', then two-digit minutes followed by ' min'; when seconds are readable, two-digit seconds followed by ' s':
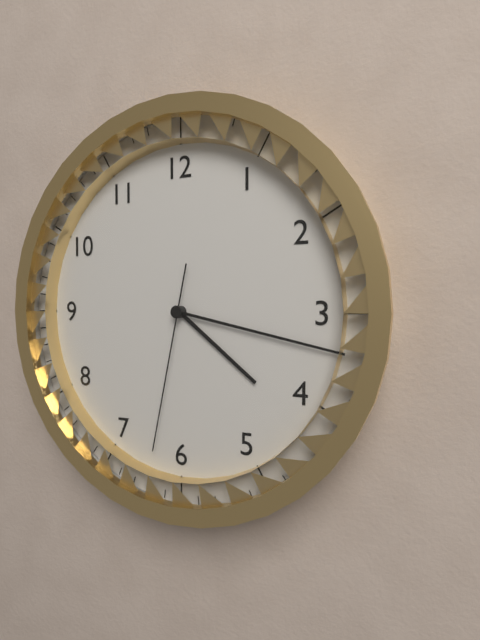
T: 4 h 17 min 32 s
